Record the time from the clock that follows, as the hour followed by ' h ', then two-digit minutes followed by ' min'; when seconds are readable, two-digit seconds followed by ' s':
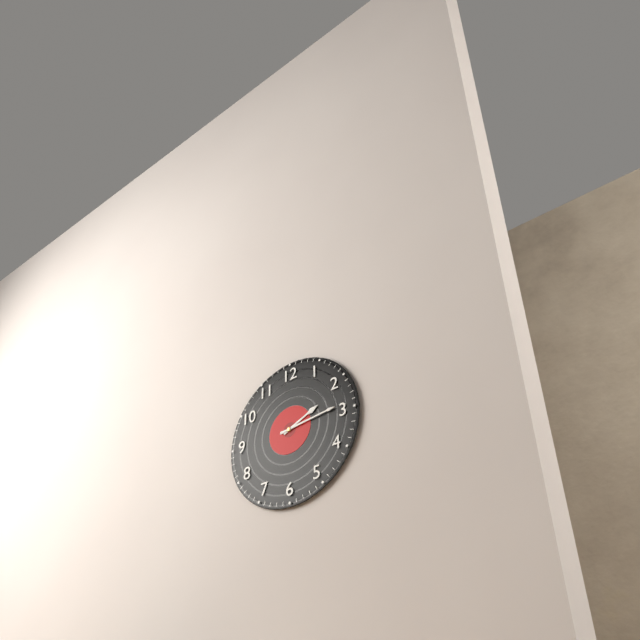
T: 2 h 14 min
